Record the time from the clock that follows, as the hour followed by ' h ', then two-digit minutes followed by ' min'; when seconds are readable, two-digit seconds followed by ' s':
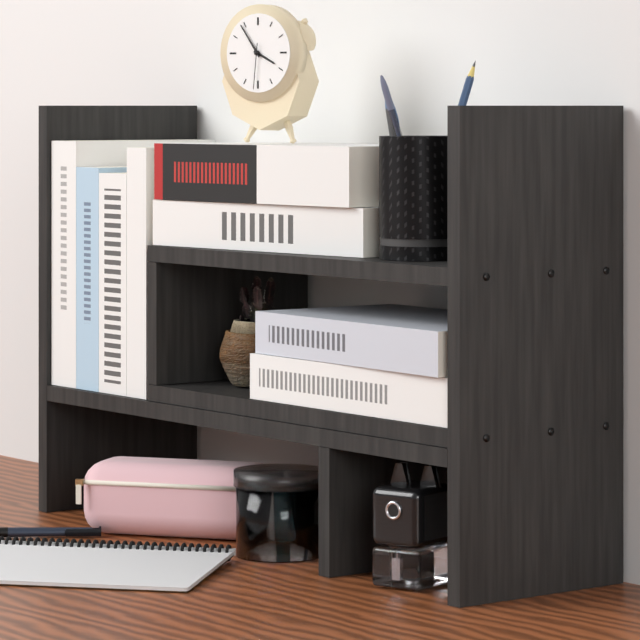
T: 3 h 54 min
